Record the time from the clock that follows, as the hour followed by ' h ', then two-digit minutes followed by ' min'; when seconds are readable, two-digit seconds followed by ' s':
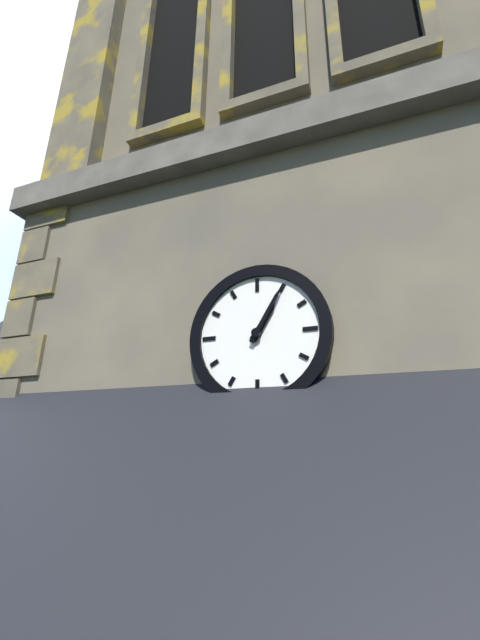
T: 1 h 05 min
